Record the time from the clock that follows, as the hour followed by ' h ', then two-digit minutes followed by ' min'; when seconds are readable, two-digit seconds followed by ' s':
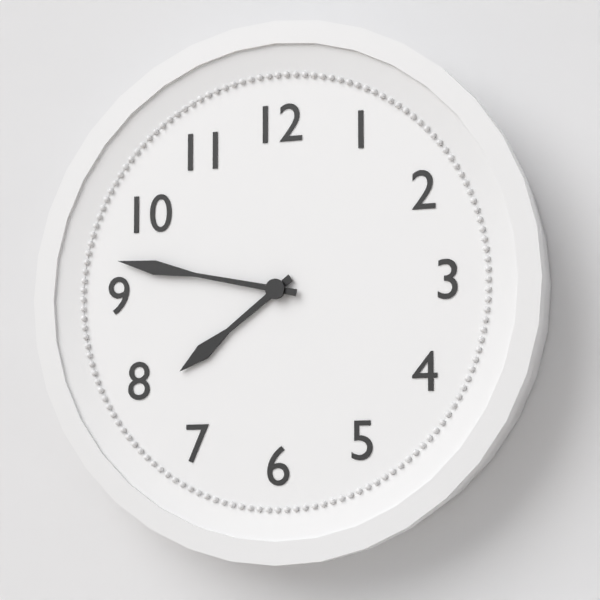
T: 7 h 47 min
